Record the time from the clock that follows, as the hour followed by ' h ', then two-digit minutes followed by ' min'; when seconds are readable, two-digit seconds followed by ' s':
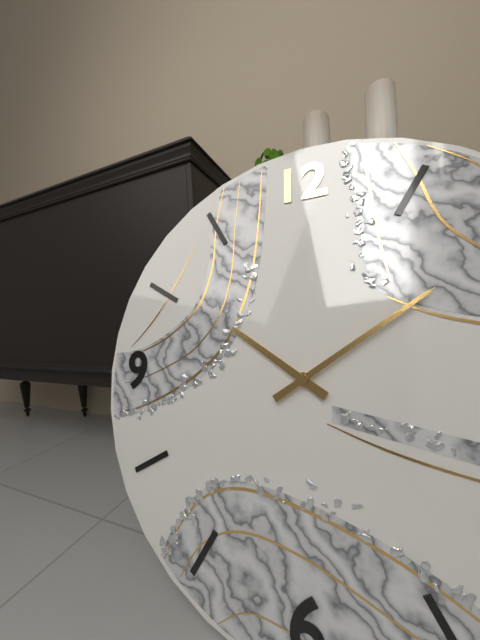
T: 10 h 09 min
